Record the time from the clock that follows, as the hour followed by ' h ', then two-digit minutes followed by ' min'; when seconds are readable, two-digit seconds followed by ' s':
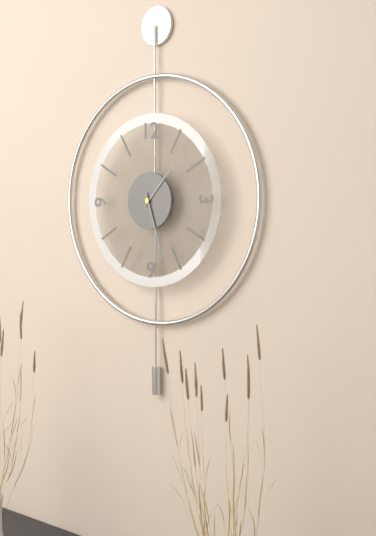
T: 1 h 27 min
